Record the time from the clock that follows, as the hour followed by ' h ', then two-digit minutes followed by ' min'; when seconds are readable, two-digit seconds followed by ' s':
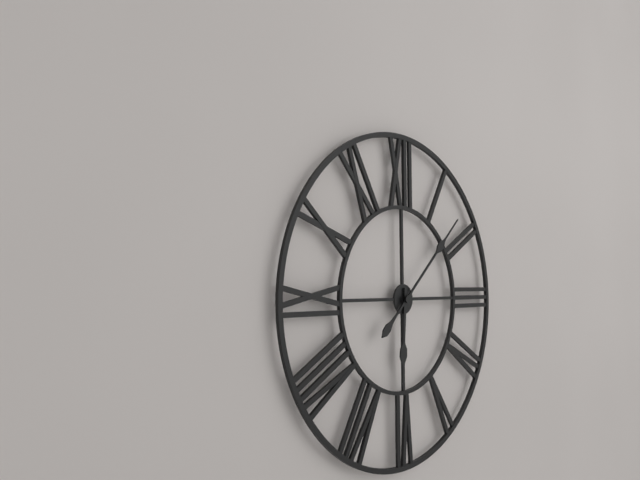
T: 6 h 08 min
